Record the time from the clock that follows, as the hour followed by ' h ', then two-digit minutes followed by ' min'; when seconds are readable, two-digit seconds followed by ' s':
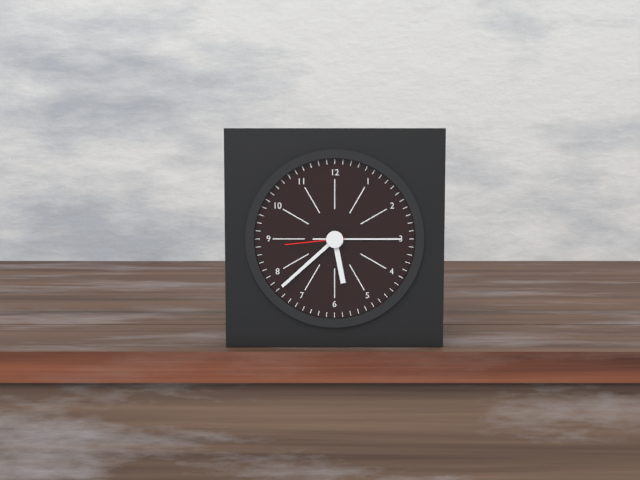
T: 5 h 38 min 44 s
